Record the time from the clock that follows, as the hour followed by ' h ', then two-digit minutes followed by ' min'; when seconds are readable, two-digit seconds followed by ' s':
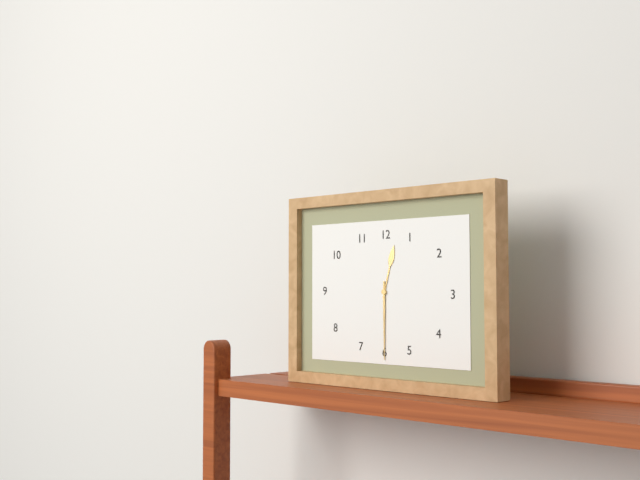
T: 12 h 30 min
